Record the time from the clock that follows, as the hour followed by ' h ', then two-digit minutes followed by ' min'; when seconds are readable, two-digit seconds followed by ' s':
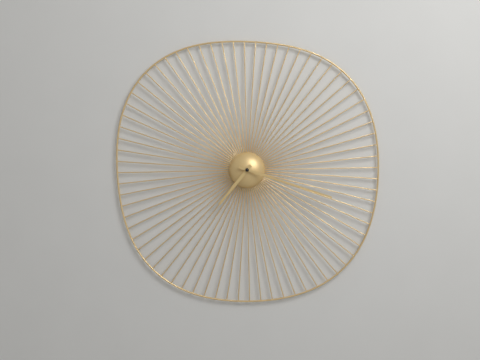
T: 7 h 18 min
